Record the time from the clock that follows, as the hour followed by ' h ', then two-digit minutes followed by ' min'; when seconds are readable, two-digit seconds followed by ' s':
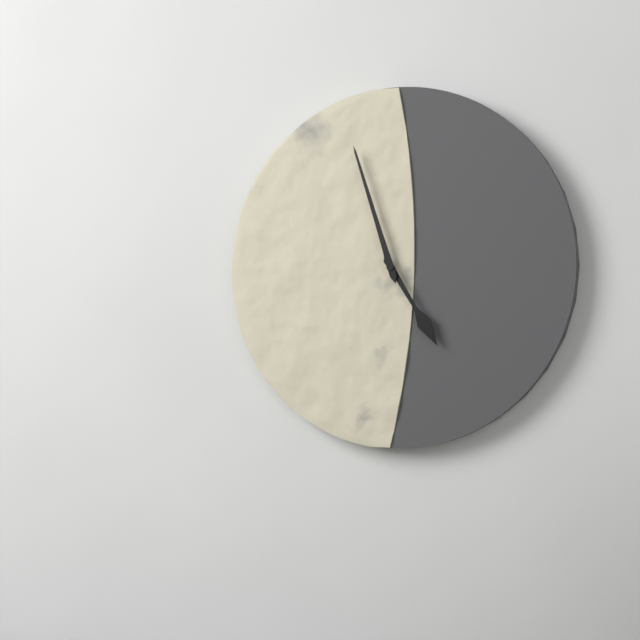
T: 4 h 57 min
